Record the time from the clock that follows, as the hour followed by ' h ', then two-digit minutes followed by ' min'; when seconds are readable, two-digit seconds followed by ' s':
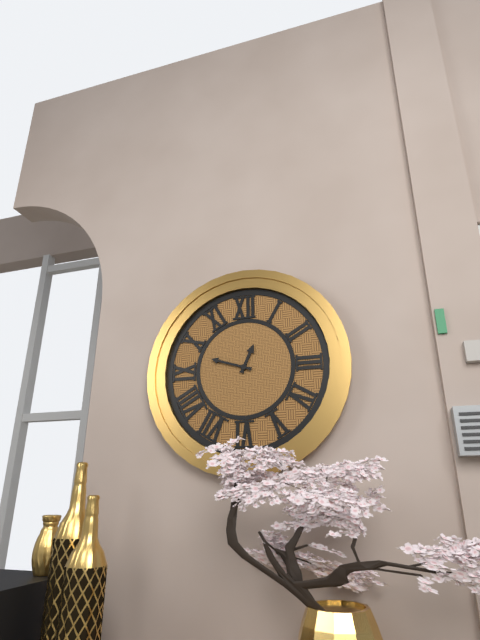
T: 12 h 48 min
